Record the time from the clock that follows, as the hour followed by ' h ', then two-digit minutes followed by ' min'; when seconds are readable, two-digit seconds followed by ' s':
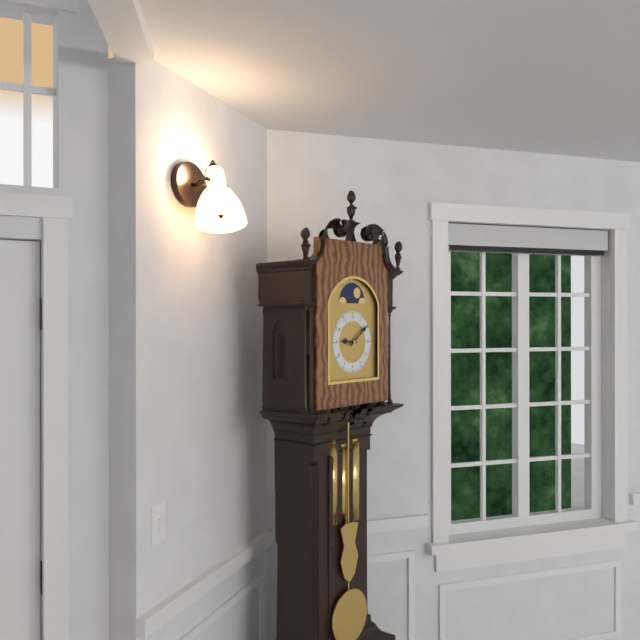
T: 9 h 09 min
